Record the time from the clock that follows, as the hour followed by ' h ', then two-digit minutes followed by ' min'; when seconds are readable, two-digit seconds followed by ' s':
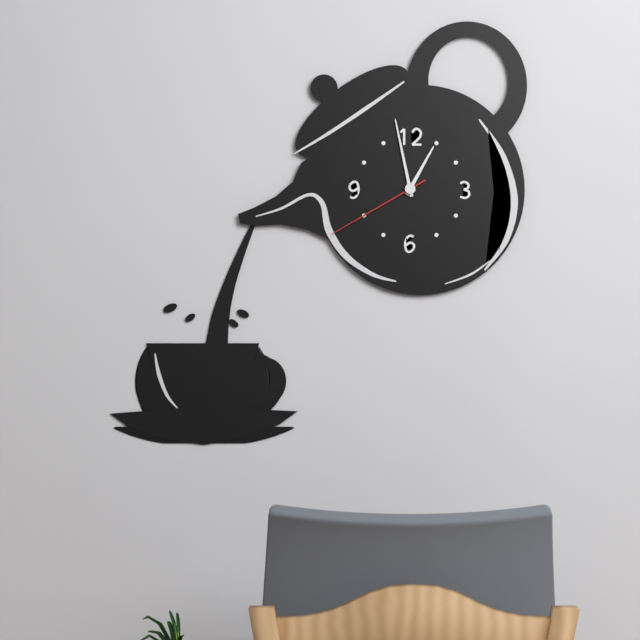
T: 12 h 58 min 40 s
